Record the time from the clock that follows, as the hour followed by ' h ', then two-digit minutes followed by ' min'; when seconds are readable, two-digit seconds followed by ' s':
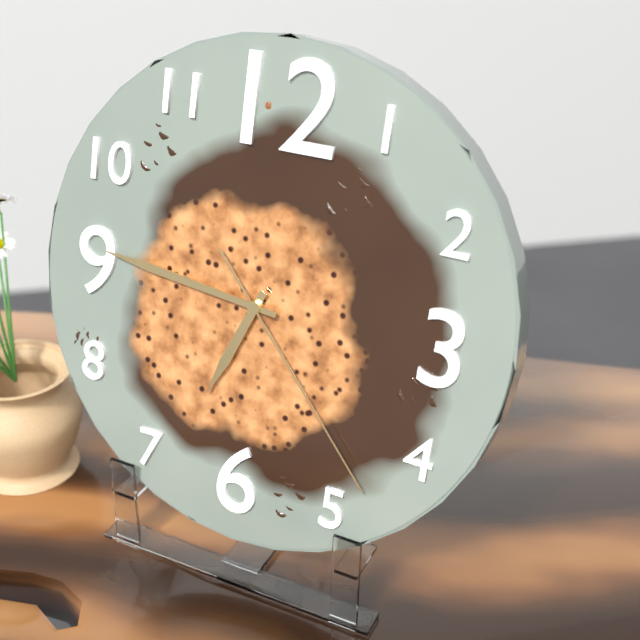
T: 6 h 46 min 23 s
